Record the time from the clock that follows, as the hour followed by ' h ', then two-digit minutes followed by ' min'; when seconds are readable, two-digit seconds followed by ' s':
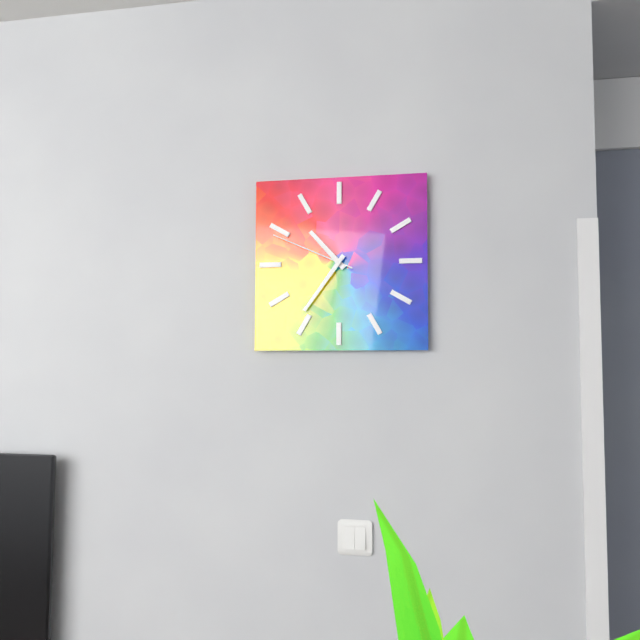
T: 10 h 36 min 49 s
